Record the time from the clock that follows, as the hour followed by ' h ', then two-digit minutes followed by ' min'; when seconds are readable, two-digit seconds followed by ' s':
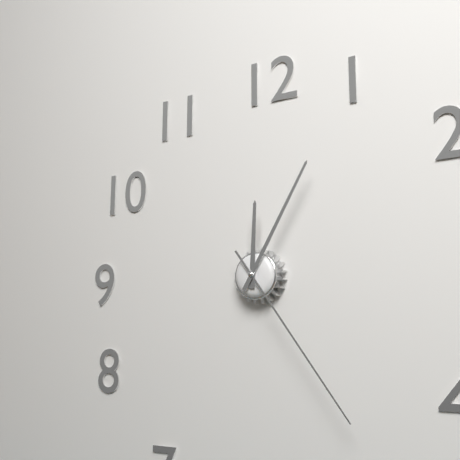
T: 12 h 05 min 24 s
